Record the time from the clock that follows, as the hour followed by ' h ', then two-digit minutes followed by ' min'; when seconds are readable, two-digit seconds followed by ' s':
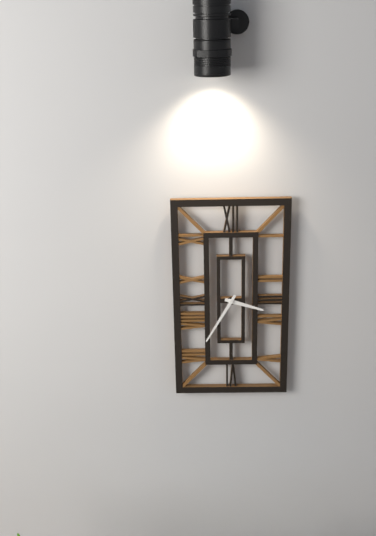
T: 3 h 35 min
